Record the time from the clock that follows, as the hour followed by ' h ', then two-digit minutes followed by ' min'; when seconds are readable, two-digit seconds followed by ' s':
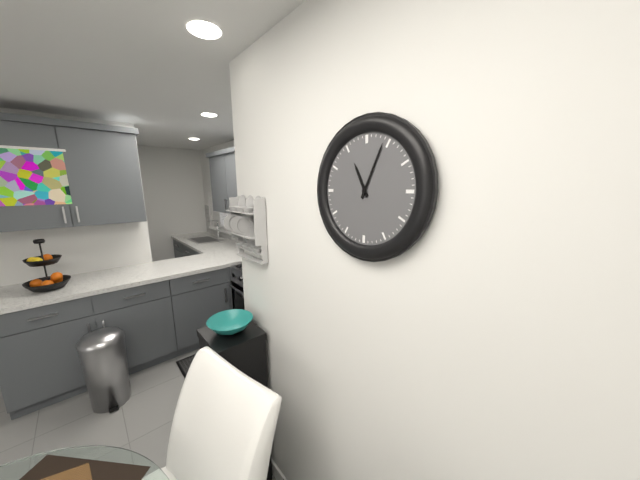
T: 11 h 04 min
